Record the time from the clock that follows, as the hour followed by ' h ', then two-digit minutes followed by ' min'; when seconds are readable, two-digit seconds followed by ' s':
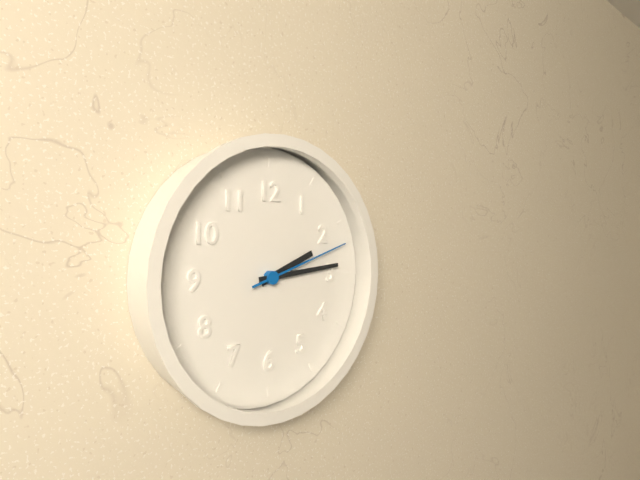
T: 2 h 14 min 12 s
